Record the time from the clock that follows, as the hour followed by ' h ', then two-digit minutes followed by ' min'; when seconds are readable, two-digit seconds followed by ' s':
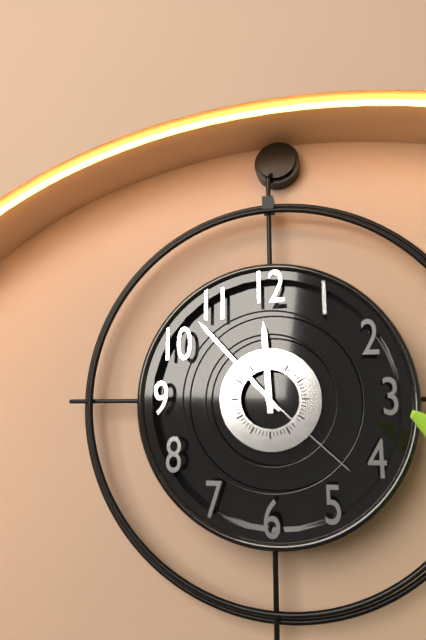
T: 11 h 53 min 22 s
